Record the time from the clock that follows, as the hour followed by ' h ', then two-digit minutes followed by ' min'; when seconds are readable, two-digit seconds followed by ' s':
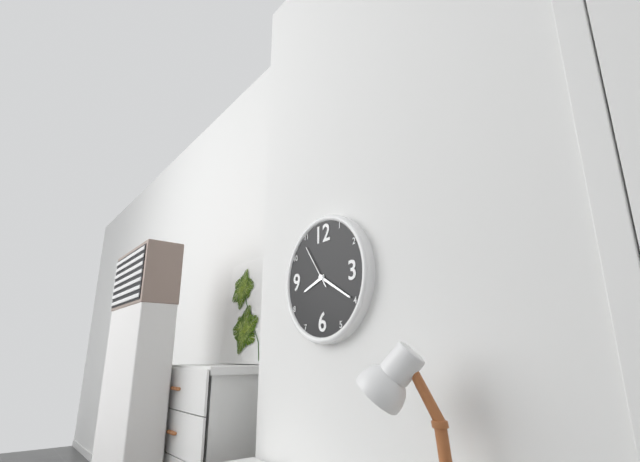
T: 8 h 20 min
